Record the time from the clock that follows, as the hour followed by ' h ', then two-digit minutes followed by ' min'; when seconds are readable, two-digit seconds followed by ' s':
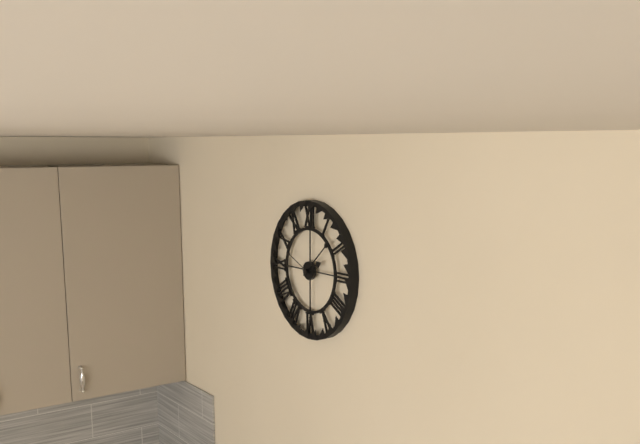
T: 2 h 08 min
